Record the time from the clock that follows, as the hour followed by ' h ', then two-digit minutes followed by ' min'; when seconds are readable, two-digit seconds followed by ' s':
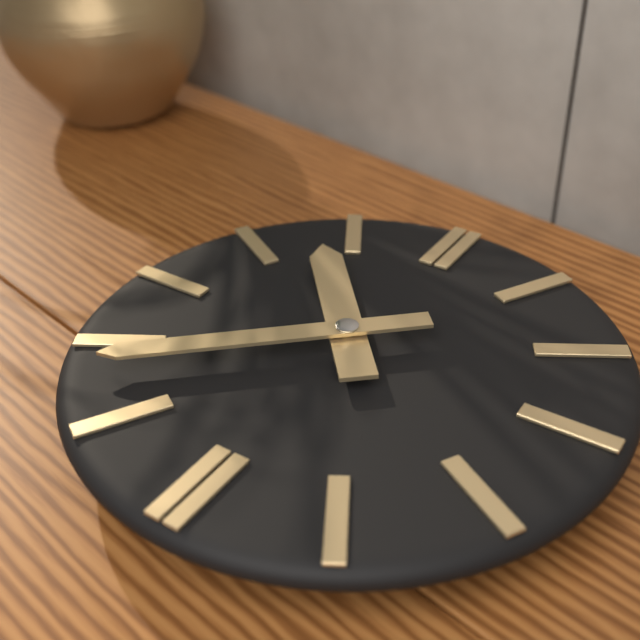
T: 10 h 38 min
